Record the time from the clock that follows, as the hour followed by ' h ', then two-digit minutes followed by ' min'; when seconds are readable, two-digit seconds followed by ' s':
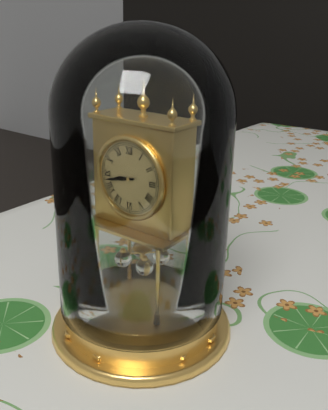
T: 8 h 43 min
